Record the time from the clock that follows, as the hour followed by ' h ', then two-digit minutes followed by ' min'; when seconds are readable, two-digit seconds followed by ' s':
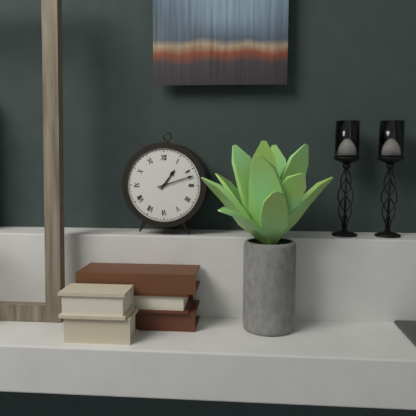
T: 1 h 12 min
